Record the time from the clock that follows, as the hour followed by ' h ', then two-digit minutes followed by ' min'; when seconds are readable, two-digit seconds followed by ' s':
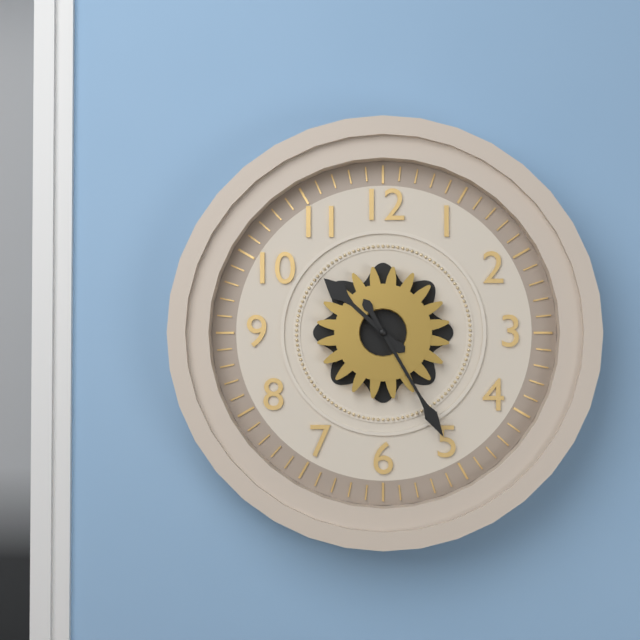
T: 10 h 25 min
